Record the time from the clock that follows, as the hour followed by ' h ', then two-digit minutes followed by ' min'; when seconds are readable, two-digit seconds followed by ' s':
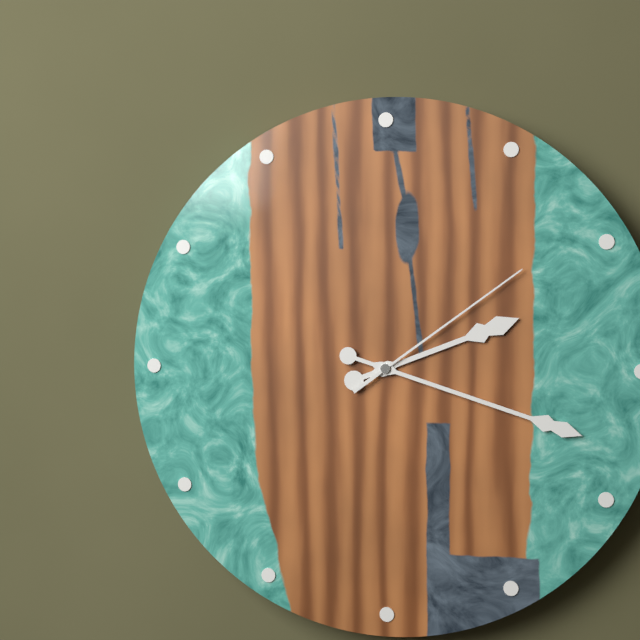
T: 2 h 18 min 09 s
